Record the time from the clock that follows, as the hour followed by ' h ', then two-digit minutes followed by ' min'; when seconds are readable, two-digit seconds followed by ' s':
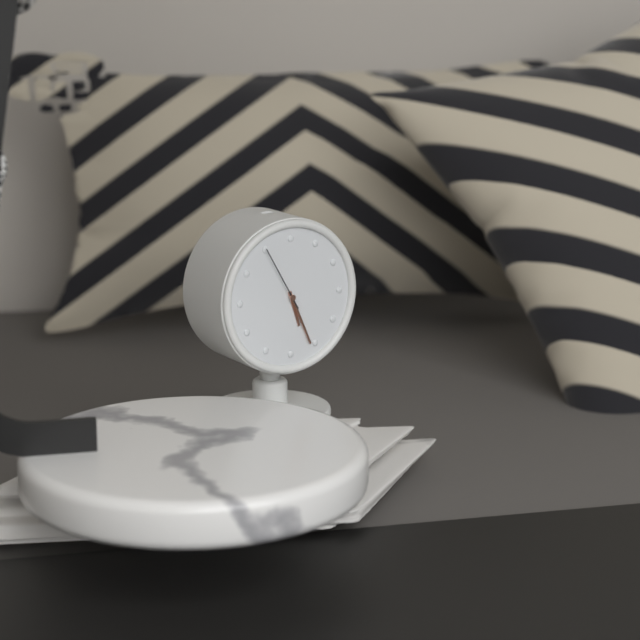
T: 5 h 26 min 55 s
